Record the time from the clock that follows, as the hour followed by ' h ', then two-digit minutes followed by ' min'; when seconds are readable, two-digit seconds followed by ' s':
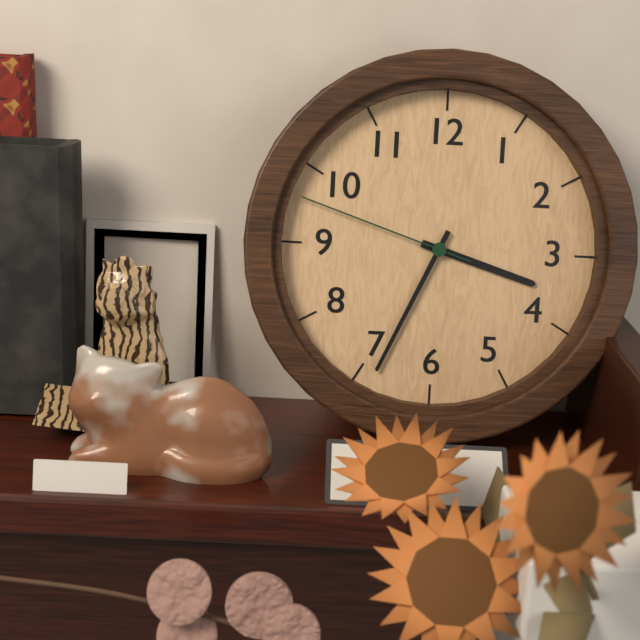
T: 3 h 34 min 48 s
